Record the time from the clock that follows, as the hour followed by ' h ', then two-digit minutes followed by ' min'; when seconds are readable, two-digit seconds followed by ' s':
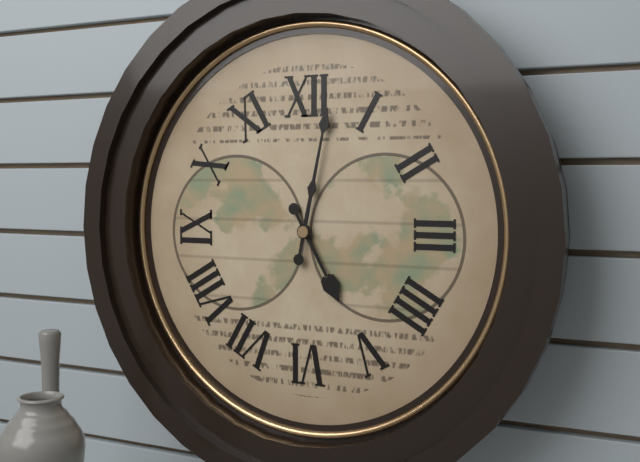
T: 5 h 02 min
